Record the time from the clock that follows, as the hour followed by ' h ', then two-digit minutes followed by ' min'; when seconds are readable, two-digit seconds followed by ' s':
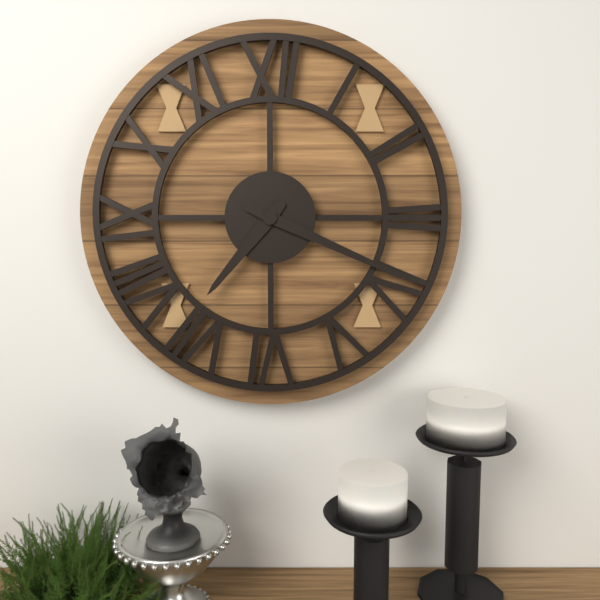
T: 7 h 19 min
